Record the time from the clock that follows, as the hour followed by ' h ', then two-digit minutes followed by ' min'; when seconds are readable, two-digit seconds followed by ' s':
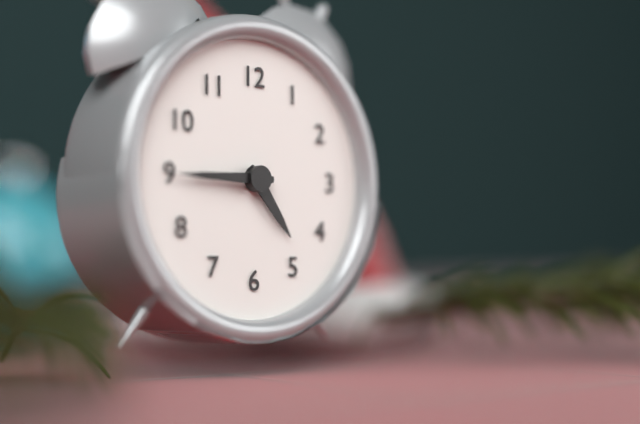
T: 4 h 45 min
